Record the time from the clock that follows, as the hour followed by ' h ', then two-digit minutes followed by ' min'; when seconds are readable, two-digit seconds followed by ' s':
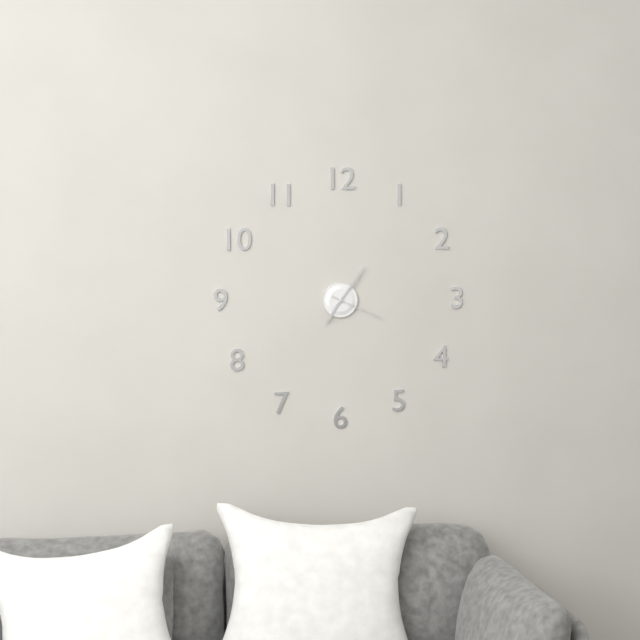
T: 7 h 06 min 19 s
